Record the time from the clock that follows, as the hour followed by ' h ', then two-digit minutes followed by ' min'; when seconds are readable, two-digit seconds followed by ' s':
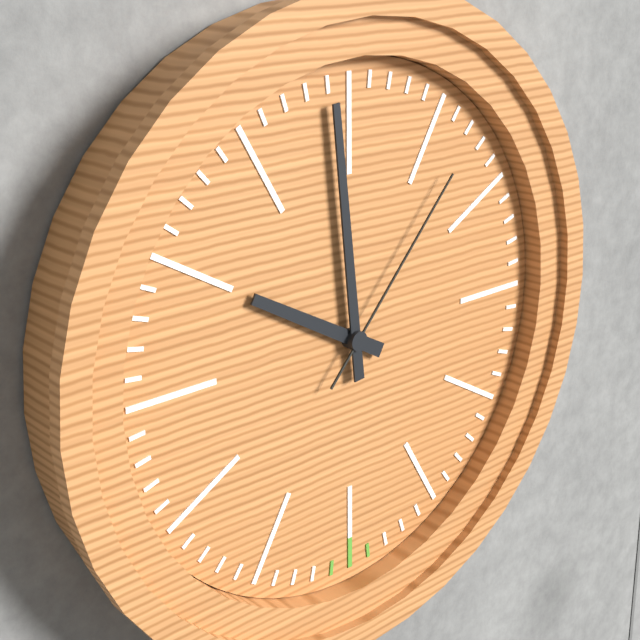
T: 9 h 59 min 07 s
